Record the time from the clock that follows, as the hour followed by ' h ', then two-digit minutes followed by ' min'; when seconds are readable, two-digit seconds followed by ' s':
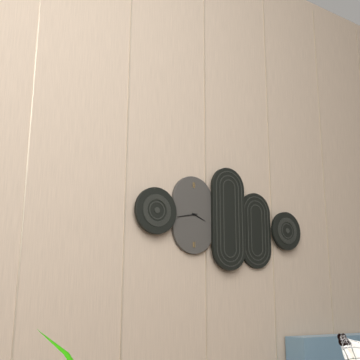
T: 3 h 43 min
